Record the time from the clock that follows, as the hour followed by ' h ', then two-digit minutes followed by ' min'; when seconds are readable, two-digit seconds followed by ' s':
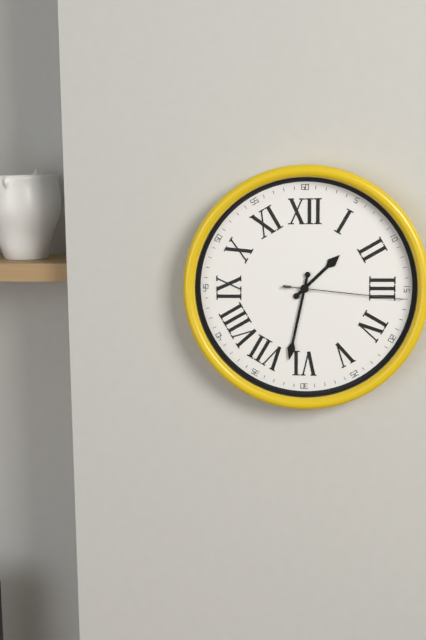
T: 1 h 32 min 16 s
